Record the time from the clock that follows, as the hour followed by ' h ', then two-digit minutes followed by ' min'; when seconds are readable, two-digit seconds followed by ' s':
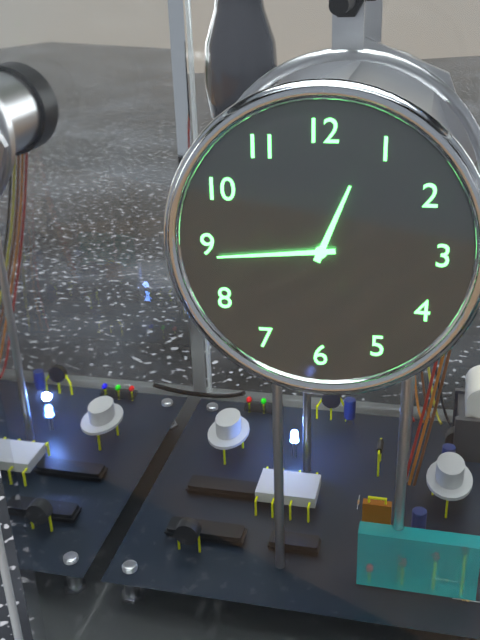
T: 12 h 44 min
